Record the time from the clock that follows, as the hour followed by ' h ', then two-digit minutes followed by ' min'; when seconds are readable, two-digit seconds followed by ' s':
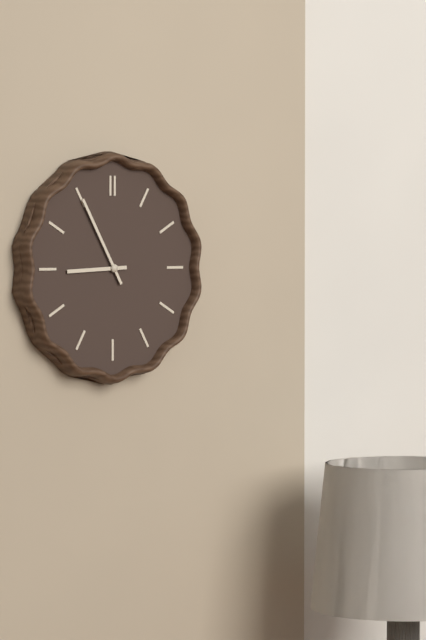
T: 8 h 55 min
